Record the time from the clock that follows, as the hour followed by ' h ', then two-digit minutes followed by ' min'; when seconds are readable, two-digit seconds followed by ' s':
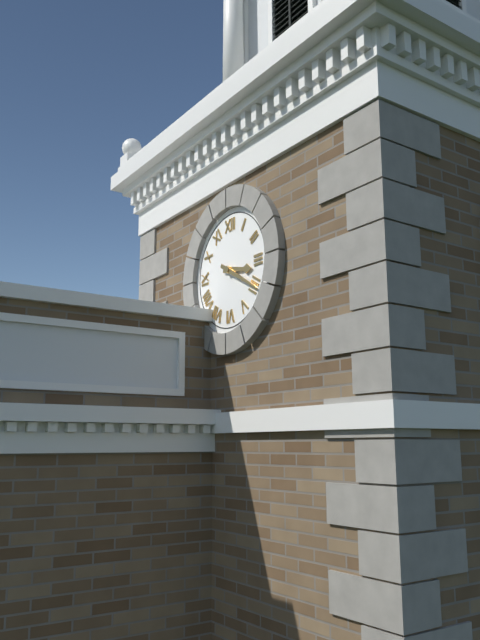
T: 3 h 20 min
